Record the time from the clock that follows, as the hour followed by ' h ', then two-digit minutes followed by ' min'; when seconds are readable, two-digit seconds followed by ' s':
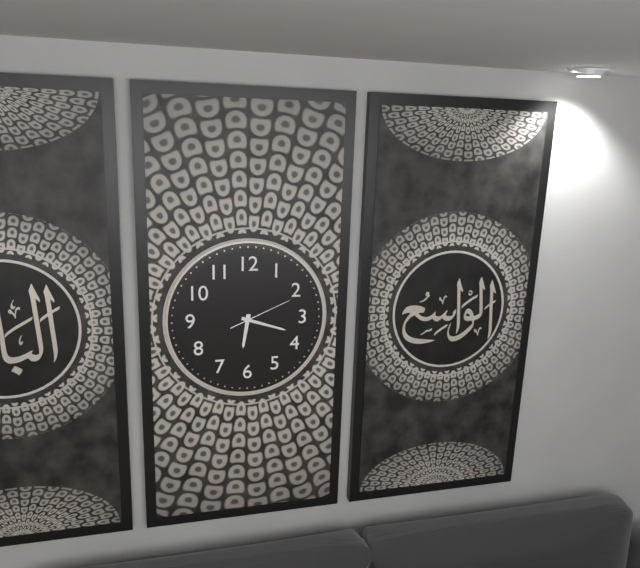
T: 6 h 18 min 11 s
